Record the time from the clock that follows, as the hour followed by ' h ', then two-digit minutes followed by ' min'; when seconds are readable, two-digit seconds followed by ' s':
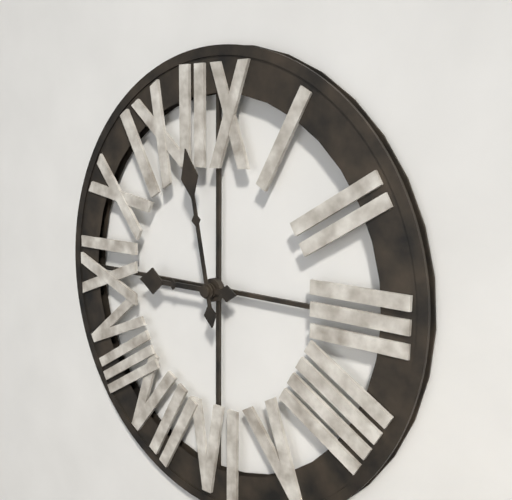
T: 8 h 58 min
